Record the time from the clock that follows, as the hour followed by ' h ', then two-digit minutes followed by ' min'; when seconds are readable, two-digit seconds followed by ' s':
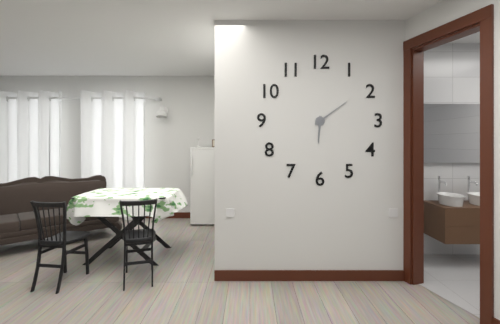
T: 6 h 09 min
